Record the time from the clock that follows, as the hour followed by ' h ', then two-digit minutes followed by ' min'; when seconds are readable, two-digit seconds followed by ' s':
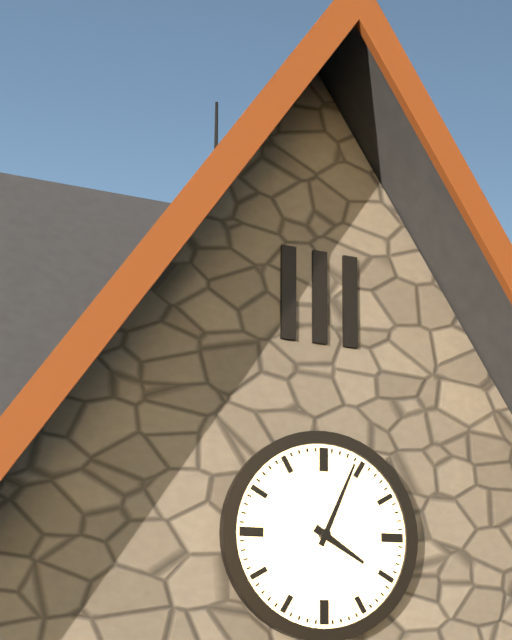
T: 4 h 04 min
